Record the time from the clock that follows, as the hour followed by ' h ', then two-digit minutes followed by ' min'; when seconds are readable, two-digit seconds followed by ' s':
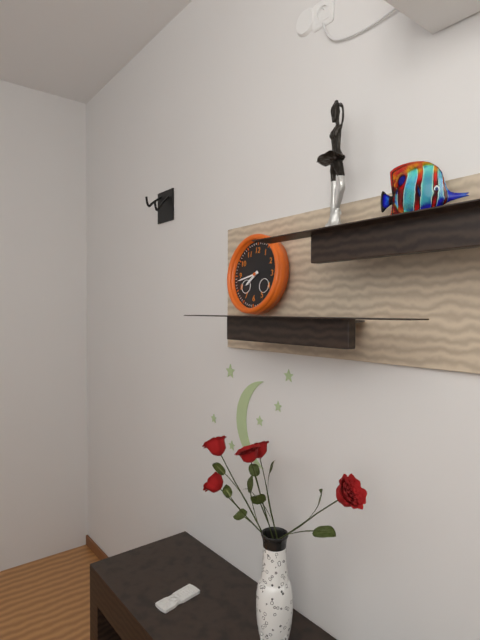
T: 7 h 43 min
